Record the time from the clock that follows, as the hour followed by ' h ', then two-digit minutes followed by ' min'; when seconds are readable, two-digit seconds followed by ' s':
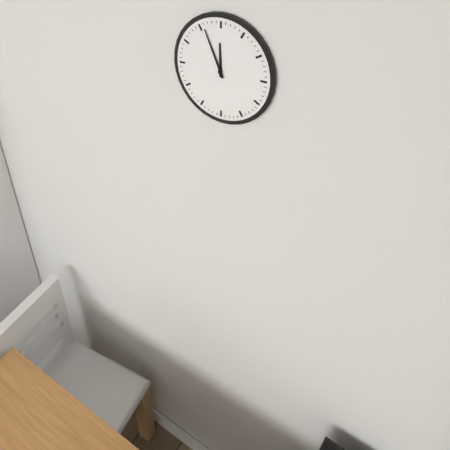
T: 11 h 56 min
